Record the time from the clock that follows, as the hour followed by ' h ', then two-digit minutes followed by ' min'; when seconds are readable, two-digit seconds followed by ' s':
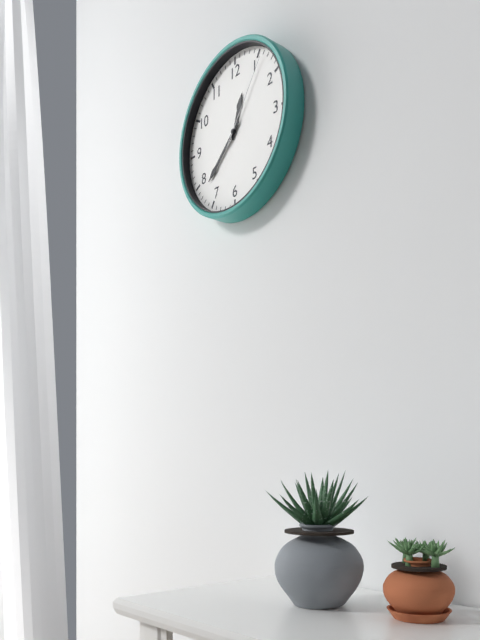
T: 12 h 38 min 06 s
